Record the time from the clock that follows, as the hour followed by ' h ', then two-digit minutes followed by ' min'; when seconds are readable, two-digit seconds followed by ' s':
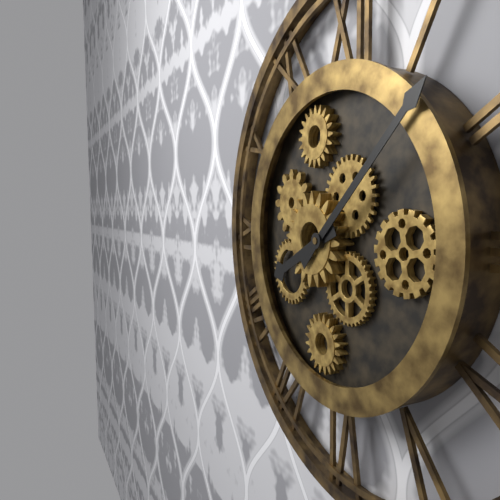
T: 8 h 08 min
